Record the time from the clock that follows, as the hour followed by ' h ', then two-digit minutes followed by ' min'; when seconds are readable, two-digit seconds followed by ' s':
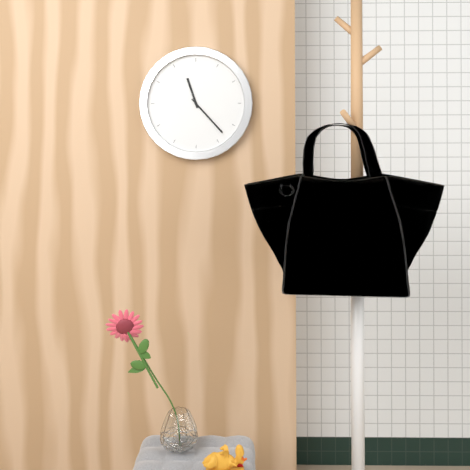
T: 11 h 23 min
